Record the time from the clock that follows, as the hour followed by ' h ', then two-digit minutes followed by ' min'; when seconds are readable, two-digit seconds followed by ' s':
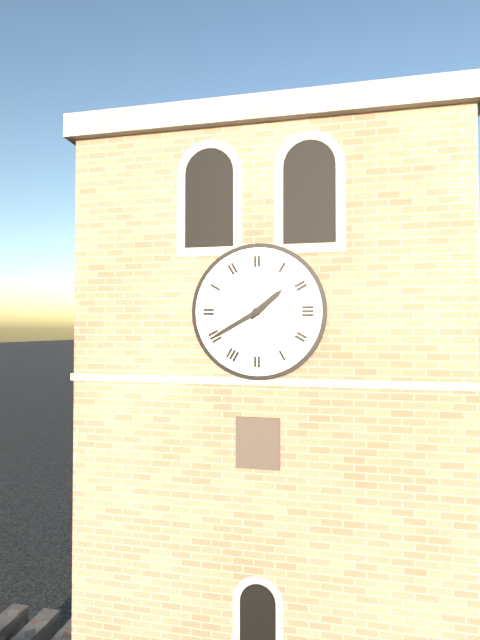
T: 1 h 40 min
